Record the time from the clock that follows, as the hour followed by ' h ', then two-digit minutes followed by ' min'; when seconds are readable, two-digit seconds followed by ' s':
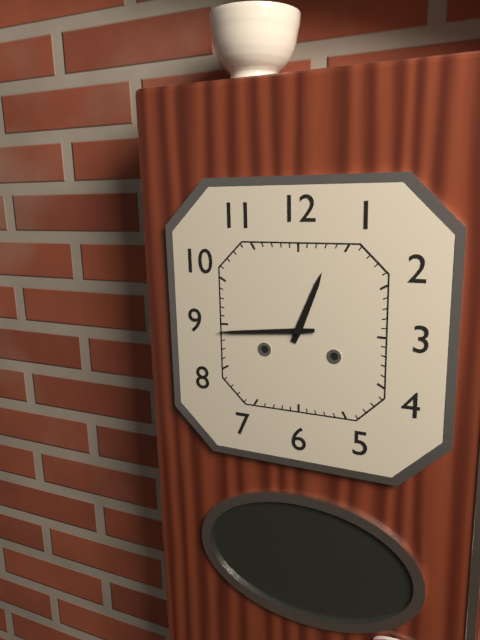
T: 12 h 44 min
